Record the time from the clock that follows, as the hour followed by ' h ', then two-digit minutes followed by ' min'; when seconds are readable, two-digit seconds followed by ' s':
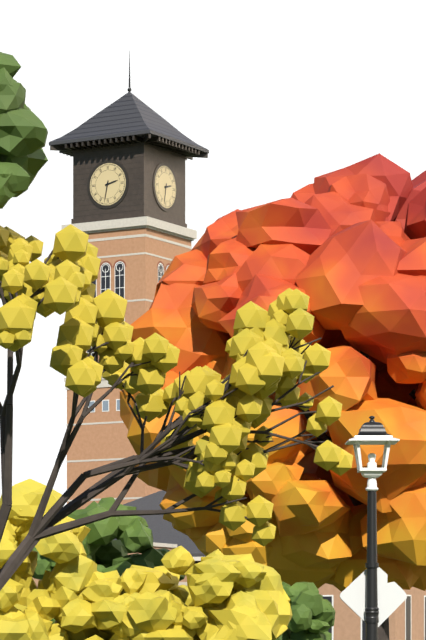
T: 2 h 32 min
